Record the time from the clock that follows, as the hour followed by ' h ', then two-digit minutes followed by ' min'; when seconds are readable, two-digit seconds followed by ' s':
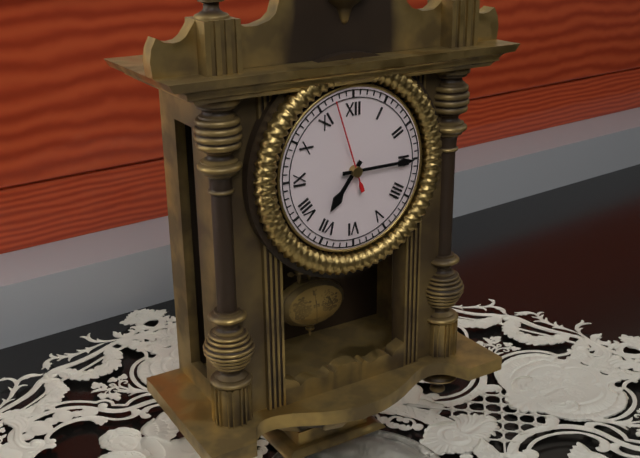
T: 7 h 15 min 57 s
